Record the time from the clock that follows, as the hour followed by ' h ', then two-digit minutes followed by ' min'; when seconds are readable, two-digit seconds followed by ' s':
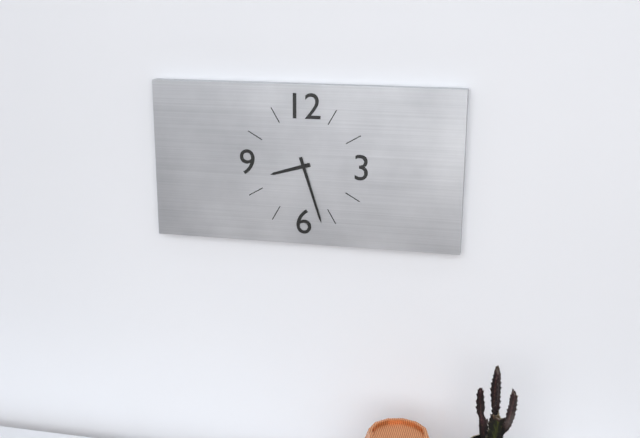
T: 8 h 27 min
